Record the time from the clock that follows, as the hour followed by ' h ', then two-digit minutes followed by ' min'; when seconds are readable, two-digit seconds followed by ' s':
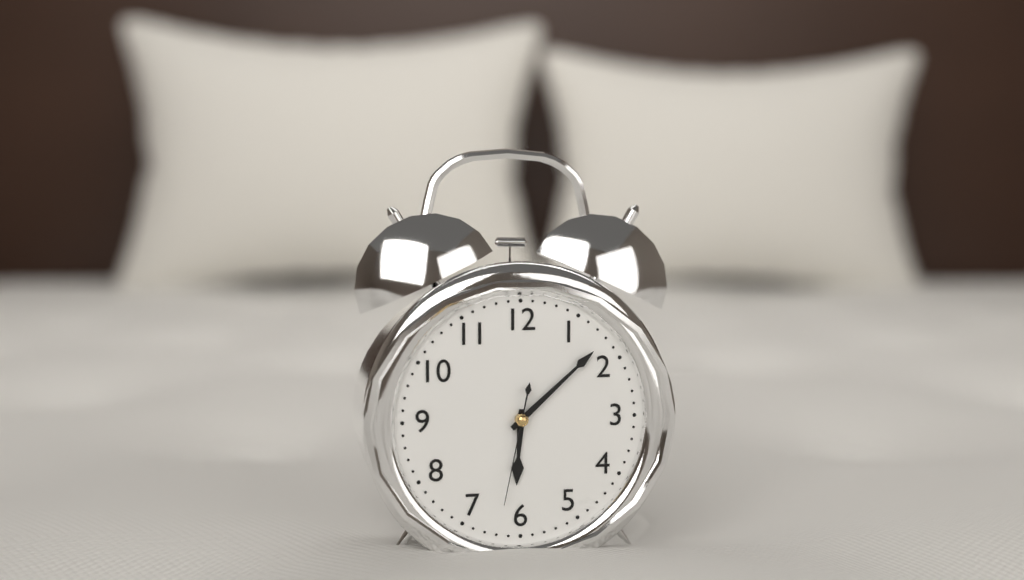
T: 6 h 08 min 32 s
